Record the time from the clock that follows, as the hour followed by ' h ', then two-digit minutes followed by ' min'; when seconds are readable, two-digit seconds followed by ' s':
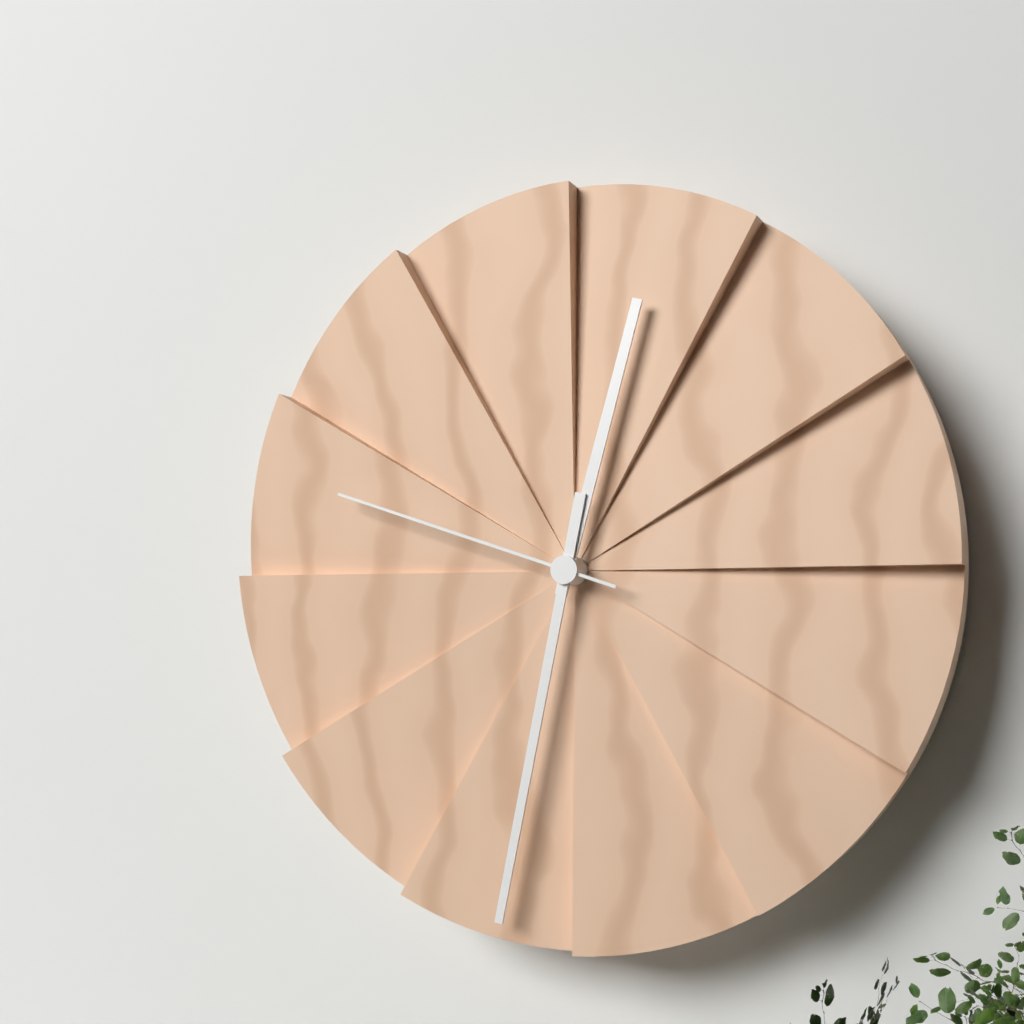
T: 12 h 32 min 48 s
